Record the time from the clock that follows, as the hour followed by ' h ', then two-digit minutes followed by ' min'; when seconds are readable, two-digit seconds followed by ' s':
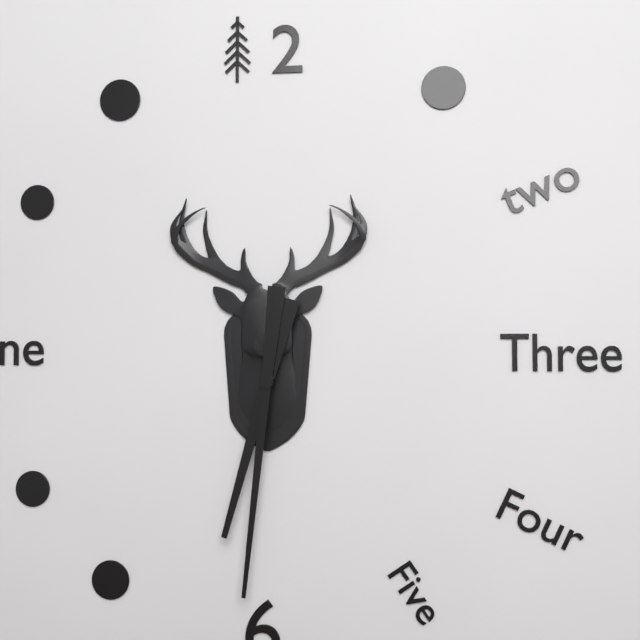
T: 6 h 31 min
